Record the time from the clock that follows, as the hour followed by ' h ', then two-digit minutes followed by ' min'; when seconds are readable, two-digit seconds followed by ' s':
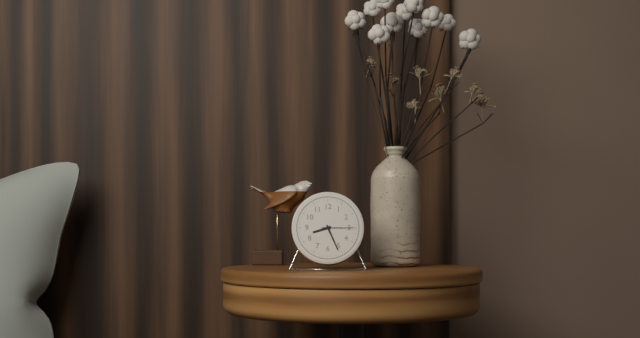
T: 8 h 26 min
